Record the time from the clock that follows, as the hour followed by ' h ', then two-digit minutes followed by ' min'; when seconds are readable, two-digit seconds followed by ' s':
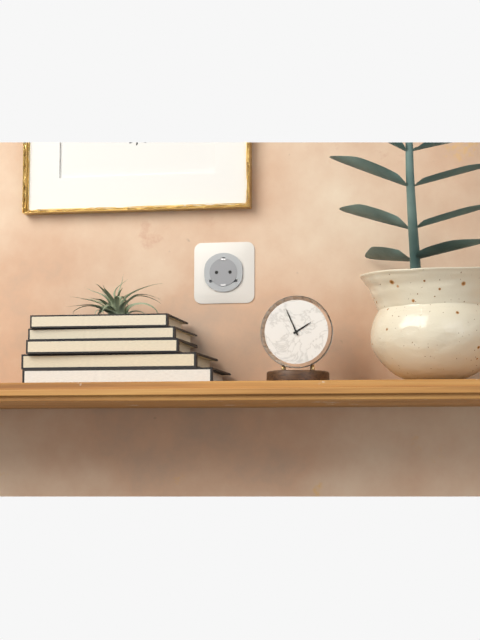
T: 1 h 56 min
